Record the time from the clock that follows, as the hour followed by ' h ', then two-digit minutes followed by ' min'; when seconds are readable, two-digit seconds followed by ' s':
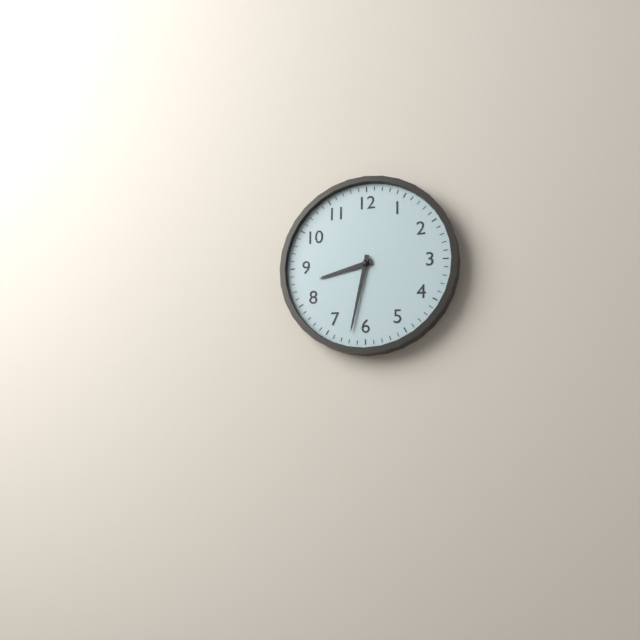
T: 8 h 32 min
